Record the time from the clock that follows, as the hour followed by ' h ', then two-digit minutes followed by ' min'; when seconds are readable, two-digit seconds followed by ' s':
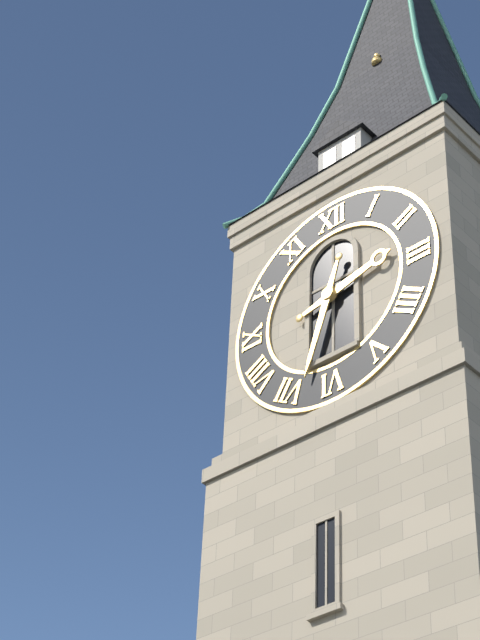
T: 2 h 33 min
